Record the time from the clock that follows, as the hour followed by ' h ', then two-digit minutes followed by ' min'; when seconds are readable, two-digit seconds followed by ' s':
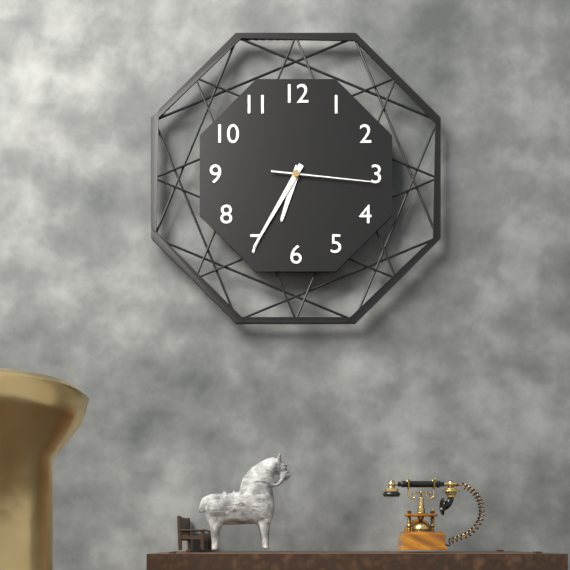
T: 6 h 35 min 16 s
